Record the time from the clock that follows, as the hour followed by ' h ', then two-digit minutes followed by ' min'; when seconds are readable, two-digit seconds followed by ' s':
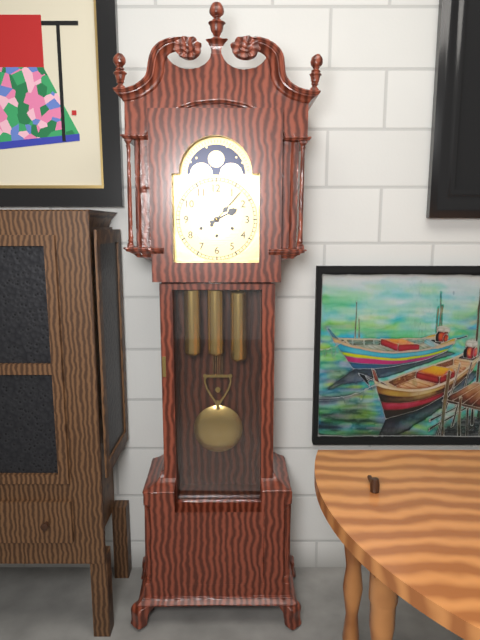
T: 2 h 07 min
